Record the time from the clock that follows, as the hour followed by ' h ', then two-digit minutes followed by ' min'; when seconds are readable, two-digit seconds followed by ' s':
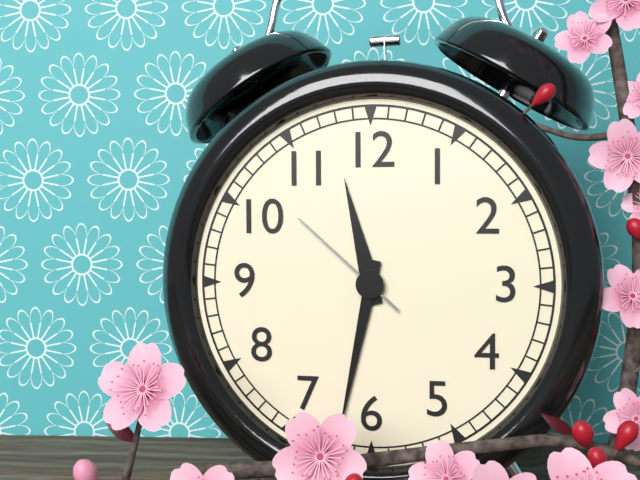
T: 11 h 32 min 52 s
